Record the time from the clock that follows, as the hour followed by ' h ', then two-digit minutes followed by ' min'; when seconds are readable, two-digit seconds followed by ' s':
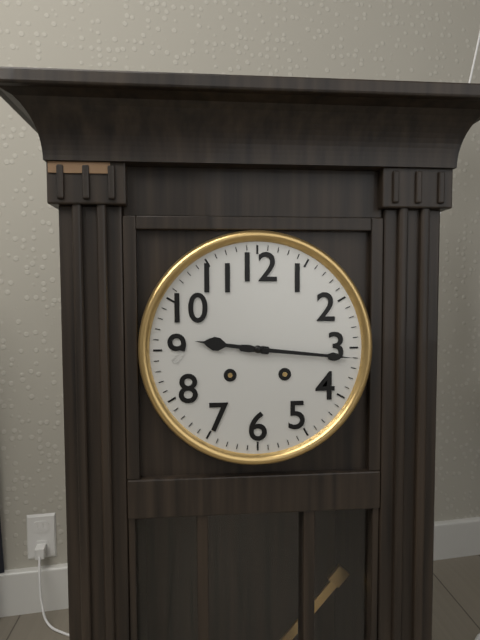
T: 9 h 16 min
